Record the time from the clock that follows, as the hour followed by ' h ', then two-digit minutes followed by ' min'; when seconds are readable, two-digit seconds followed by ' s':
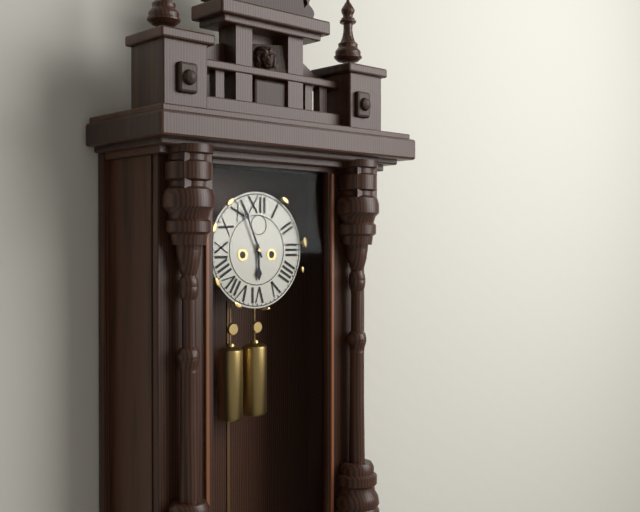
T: 5 h 56 min
